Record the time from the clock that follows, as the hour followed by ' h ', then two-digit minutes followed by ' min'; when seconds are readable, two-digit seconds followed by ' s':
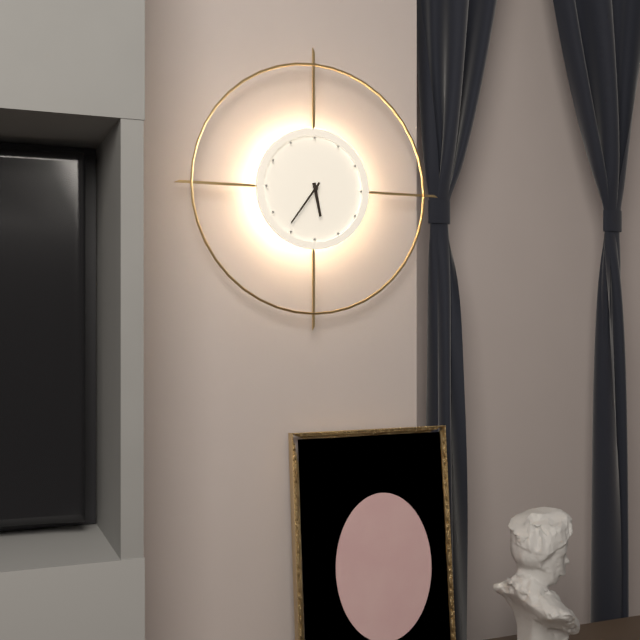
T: 5 h 36 min
